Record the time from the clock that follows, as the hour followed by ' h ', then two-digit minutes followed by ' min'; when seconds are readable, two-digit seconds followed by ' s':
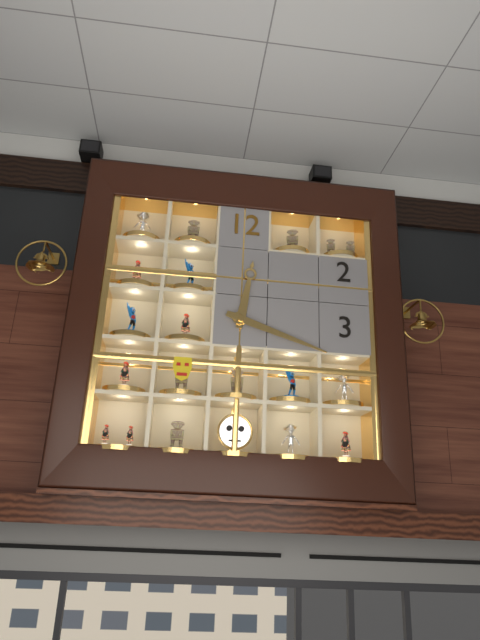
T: 12 h 18 min
